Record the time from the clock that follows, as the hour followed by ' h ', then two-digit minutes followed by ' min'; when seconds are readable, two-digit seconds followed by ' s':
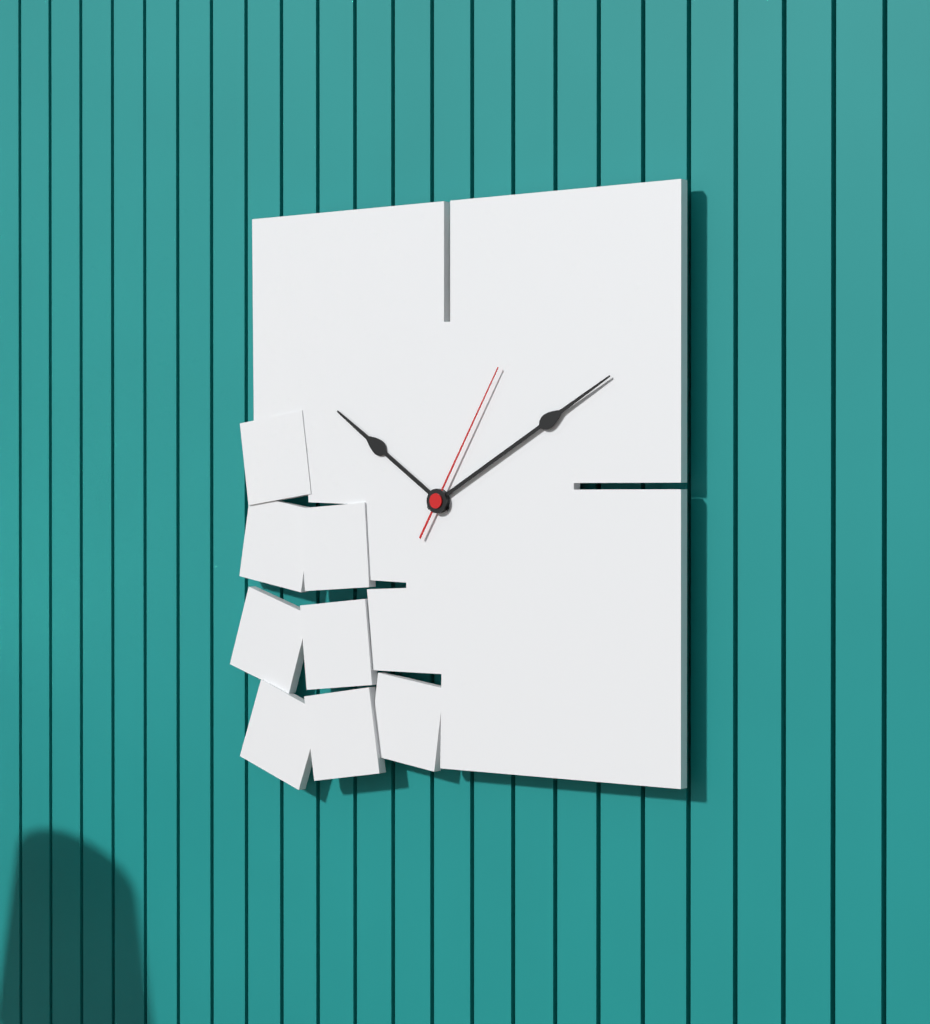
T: 10 h 10 min 05 s
